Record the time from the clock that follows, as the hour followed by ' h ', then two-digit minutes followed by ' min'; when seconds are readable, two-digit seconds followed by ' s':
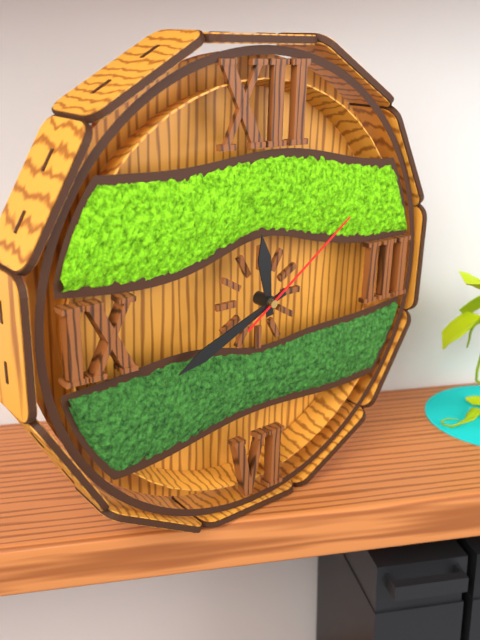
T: 11 h 41 min 09 s
